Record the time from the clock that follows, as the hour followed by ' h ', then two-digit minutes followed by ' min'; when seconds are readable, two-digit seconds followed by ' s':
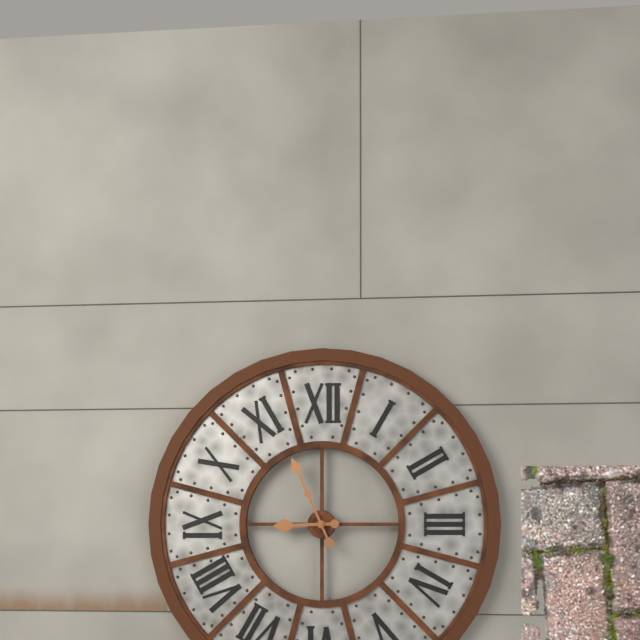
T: 8 h 56 min
